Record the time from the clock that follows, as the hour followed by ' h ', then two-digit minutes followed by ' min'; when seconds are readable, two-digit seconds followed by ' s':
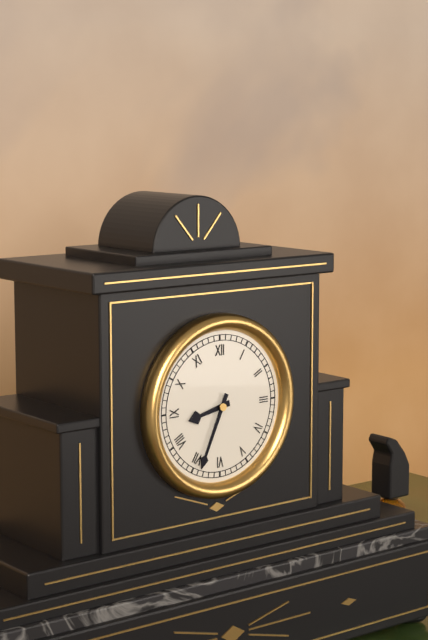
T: 8 h 34 min
